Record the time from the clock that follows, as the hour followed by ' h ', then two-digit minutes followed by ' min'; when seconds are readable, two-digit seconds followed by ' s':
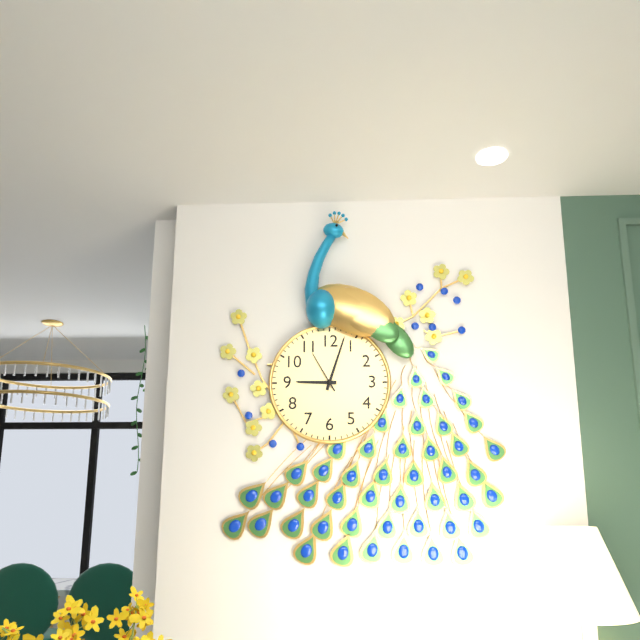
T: 9 h 03 min
